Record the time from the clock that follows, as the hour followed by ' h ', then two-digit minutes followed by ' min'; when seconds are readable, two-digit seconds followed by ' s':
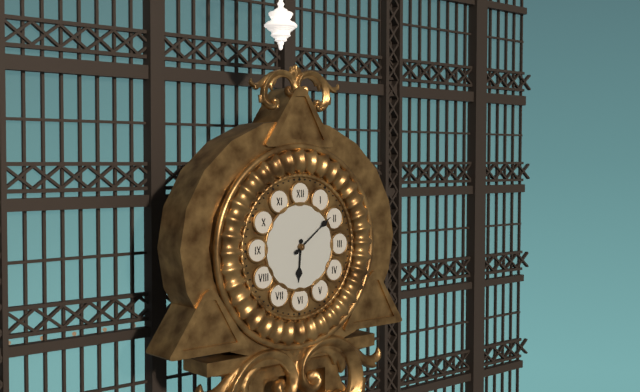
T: 6 h 09 min
